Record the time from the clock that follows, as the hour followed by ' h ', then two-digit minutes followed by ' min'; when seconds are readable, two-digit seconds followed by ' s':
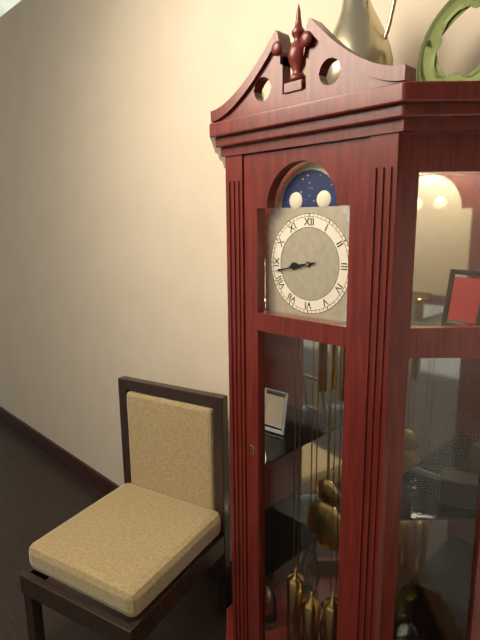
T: 8 h 43 min
